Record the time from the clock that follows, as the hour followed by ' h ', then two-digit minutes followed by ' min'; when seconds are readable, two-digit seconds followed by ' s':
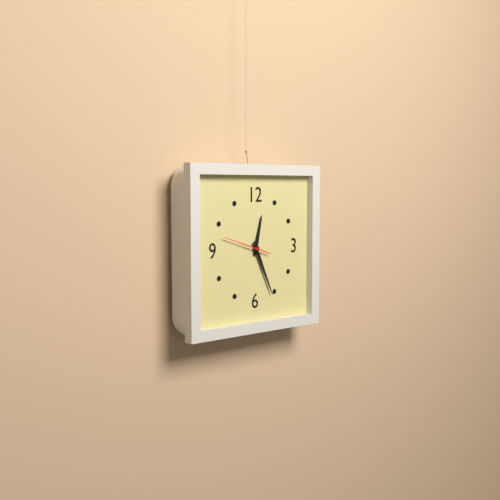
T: 12 h 26 min
